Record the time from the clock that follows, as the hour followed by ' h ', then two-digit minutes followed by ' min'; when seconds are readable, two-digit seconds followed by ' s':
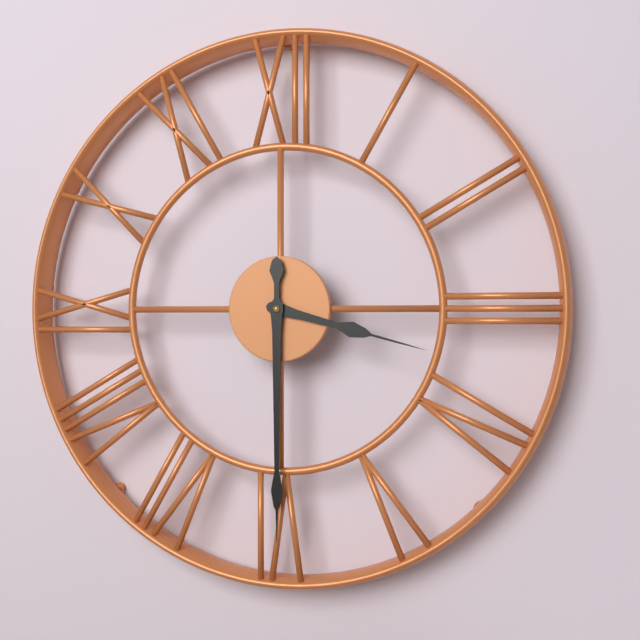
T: 3 h 30 min
